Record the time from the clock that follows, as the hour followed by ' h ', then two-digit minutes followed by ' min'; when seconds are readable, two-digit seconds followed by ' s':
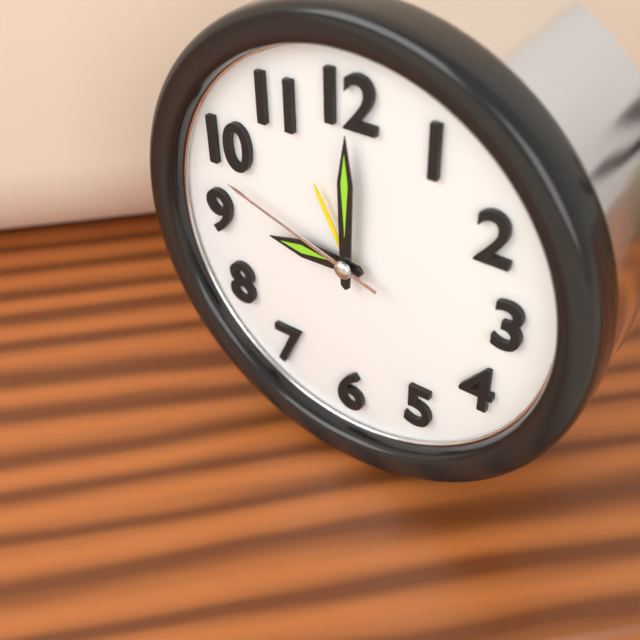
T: 9 h 00 min 48 s
